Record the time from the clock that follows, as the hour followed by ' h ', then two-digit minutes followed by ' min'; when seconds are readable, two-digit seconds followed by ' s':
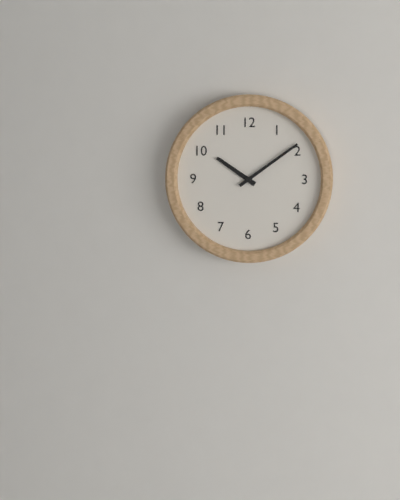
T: 10 h 09 min
